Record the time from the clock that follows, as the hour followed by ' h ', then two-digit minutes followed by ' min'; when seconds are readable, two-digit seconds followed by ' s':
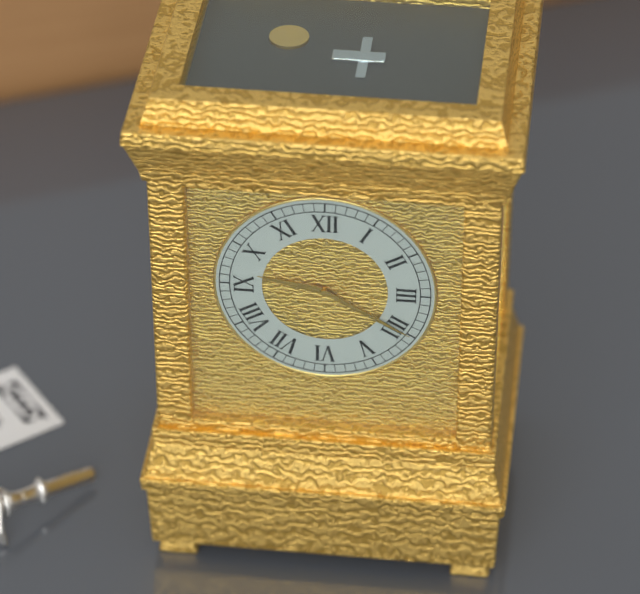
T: 9 h 20 min
